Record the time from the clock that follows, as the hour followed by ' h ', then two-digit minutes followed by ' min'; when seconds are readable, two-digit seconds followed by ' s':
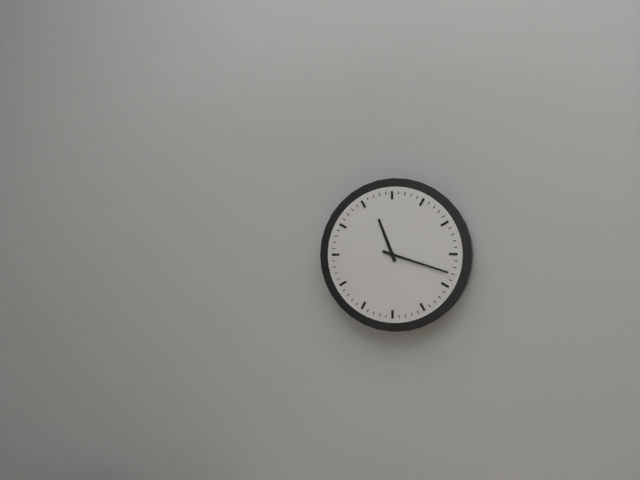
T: 11 h 18 min
